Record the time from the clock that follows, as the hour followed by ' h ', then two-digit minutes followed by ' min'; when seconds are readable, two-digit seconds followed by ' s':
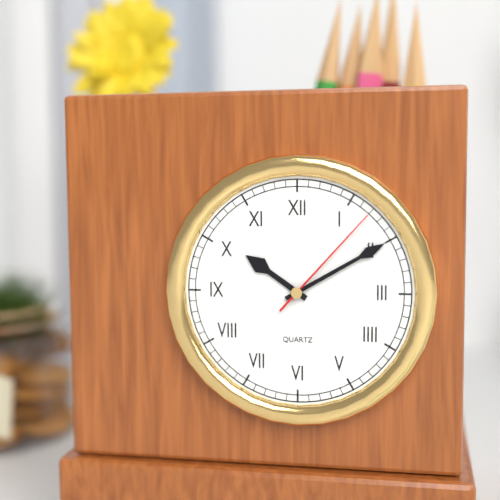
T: 10 h 10 min 07 s
